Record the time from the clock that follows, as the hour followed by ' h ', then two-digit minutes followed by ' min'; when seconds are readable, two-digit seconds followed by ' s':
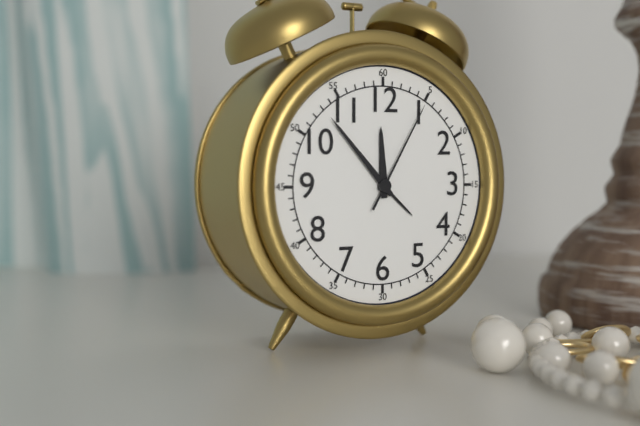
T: 11 h 53 min 05 s
